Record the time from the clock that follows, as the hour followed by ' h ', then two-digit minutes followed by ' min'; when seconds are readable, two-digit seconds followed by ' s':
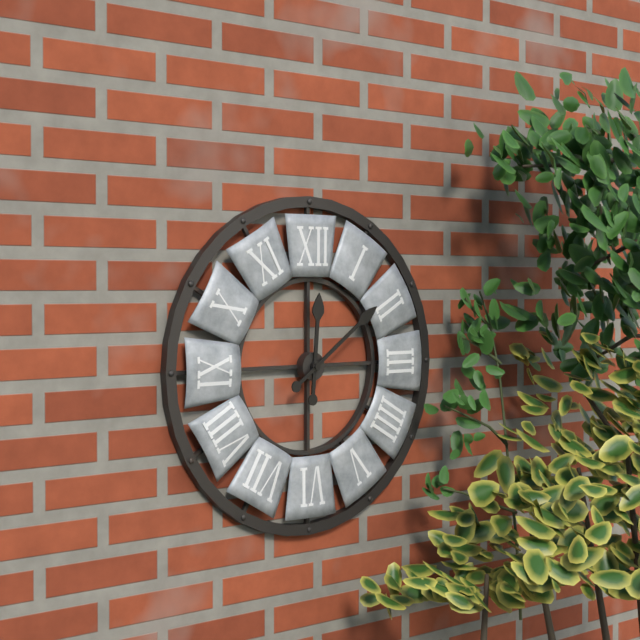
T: 12 h 09 min
